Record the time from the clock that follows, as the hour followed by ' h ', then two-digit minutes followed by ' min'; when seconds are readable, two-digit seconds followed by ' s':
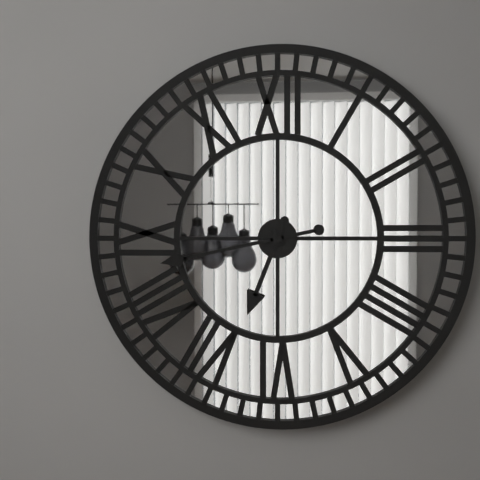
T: 6 h 43 min
